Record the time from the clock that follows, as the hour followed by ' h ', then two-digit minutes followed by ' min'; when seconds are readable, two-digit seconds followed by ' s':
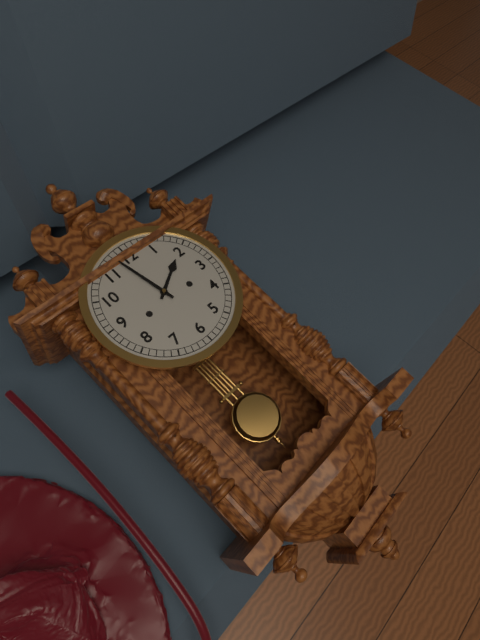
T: 1 h 58 min
